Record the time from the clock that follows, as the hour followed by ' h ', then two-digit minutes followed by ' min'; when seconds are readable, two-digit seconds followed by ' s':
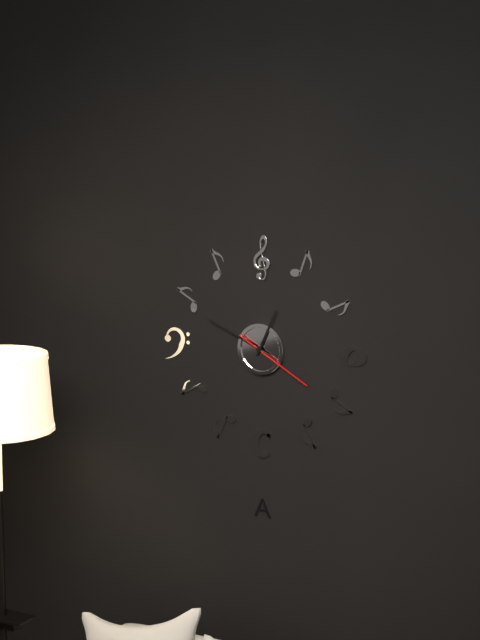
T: 12 h 49 min 20 s
